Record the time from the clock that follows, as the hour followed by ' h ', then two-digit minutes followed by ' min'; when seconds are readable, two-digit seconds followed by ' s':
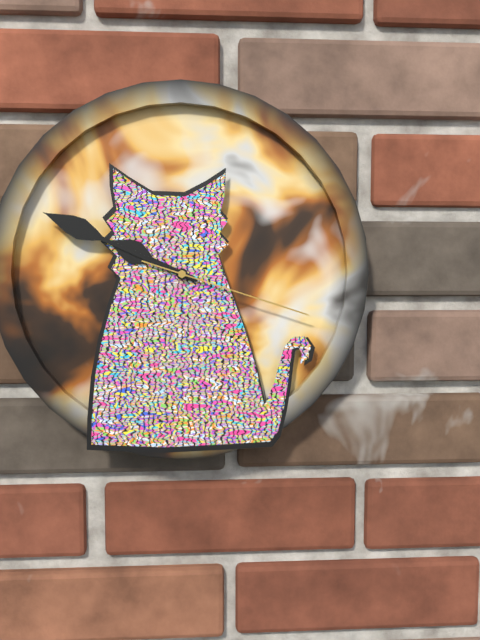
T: 9 h 49 min 18 s
